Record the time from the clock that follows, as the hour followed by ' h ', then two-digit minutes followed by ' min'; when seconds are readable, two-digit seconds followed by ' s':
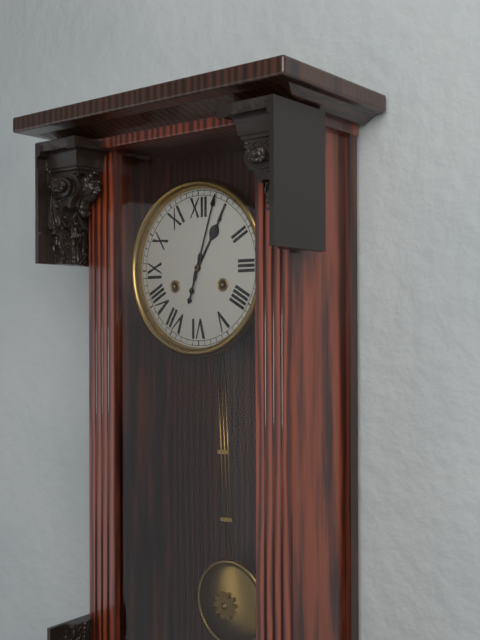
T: 1 h 03 min
